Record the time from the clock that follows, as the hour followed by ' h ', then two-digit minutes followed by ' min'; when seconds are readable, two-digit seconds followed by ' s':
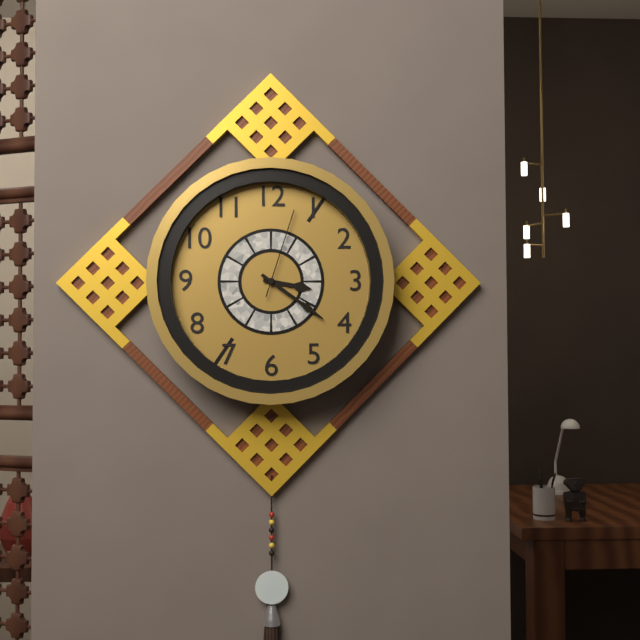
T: 3 h 21 min 03 s
